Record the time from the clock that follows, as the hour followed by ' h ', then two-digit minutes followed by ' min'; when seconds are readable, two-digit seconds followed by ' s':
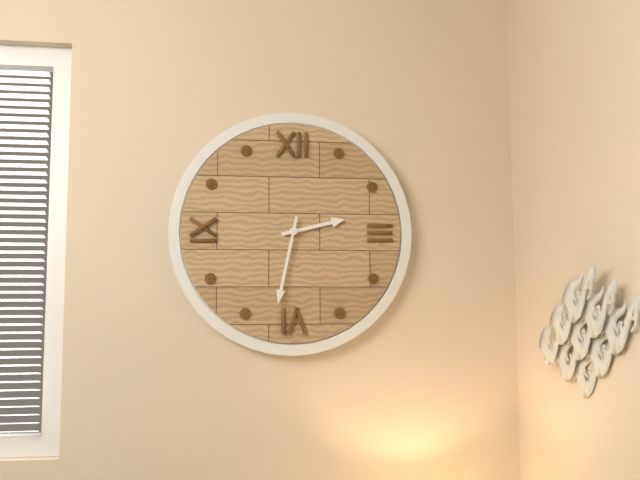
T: 2 h 32 min
